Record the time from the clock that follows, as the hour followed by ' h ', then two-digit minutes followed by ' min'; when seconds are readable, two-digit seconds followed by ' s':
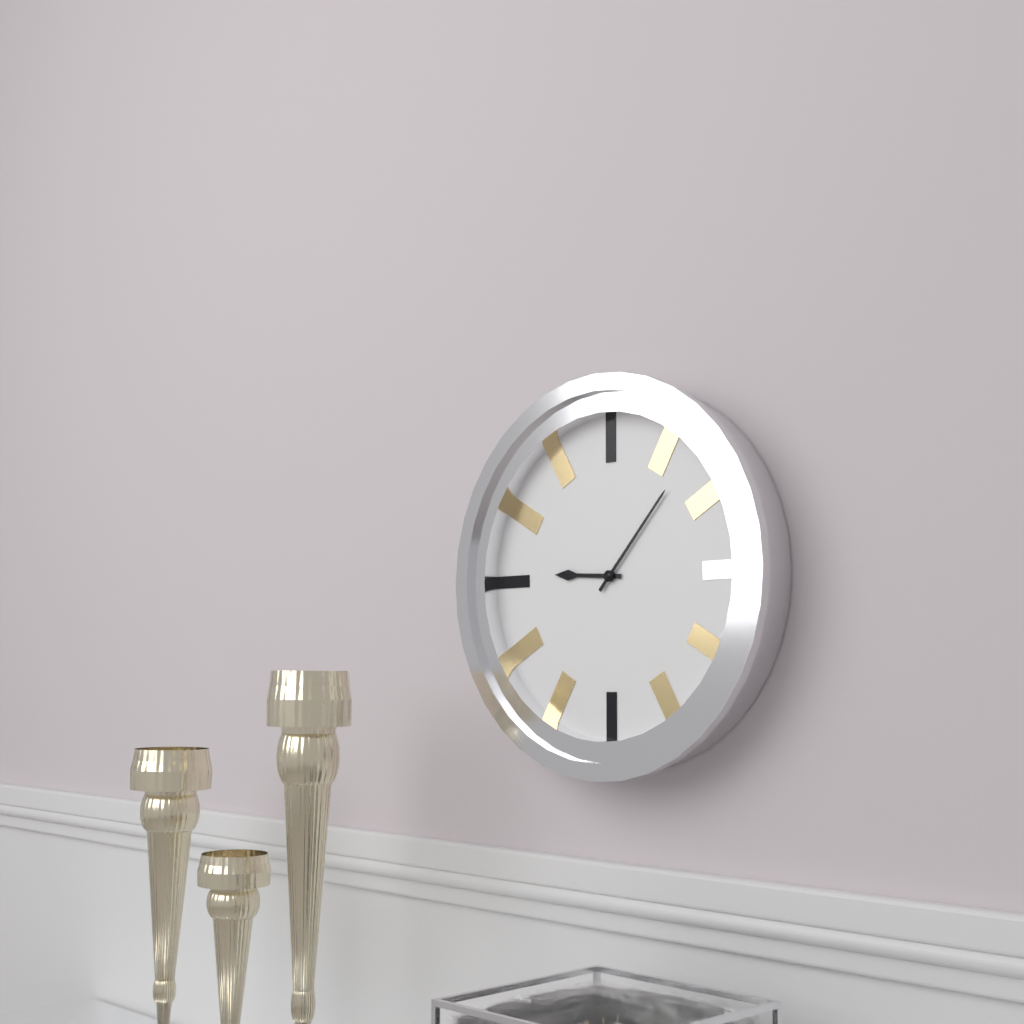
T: 9 h 07 min
